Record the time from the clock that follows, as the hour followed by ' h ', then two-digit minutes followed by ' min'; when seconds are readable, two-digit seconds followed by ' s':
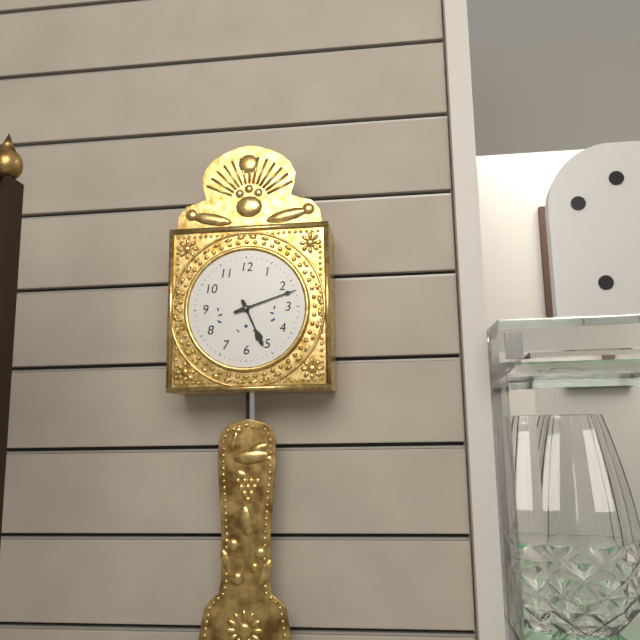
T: 5 h 12 min
